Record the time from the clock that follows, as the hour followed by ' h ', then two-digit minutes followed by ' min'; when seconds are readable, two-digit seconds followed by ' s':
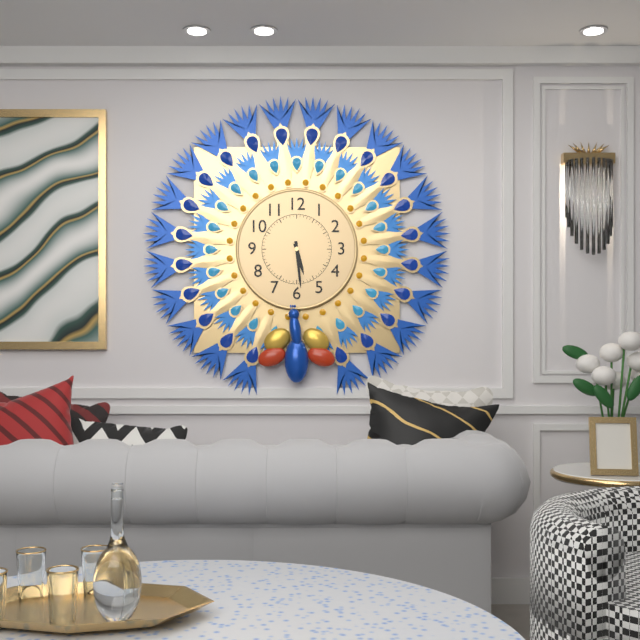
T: 5 h 29 min
